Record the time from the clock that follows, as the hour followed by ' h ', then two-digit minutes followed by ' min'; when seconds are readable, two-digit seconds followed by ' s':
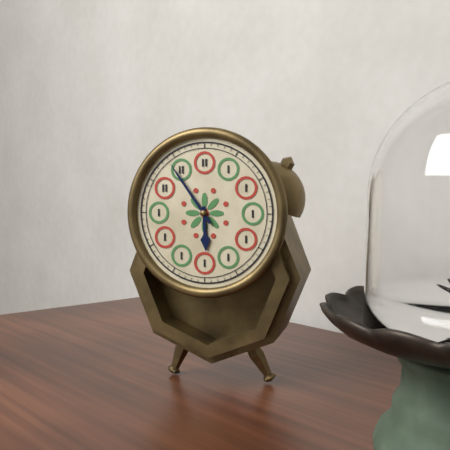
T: 5 h 54 min
